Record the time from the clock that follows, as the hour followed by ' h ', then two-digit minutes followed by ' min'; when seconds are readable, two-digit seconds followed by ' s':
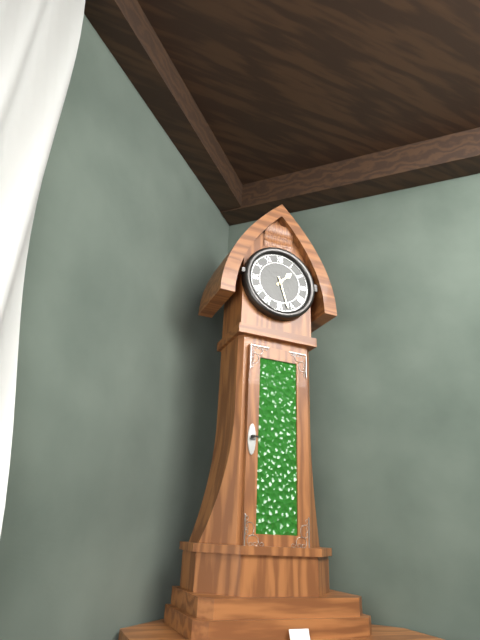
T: 1 h 27 min
